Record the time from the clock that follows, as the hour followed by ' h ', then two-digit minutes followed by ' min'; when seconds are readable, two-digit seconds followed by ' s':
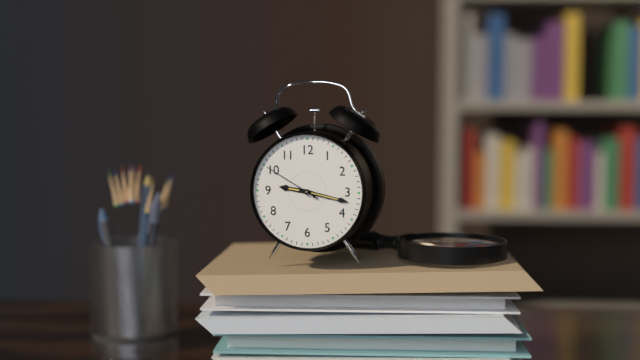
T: 9 h 17 min 50 s
